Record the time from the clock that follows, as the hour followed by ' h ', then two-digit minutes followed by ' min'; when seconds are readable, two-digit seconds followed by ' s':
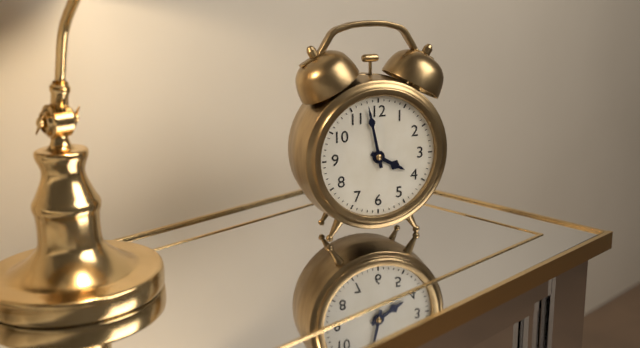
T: 3 h 58 min
